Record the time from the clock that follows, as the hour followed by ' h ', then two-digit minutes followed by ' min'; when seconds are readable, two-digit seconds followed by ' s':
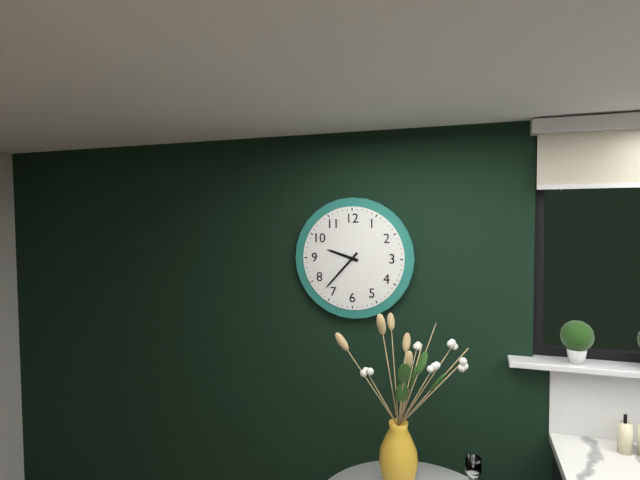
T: 9 h 37 min
